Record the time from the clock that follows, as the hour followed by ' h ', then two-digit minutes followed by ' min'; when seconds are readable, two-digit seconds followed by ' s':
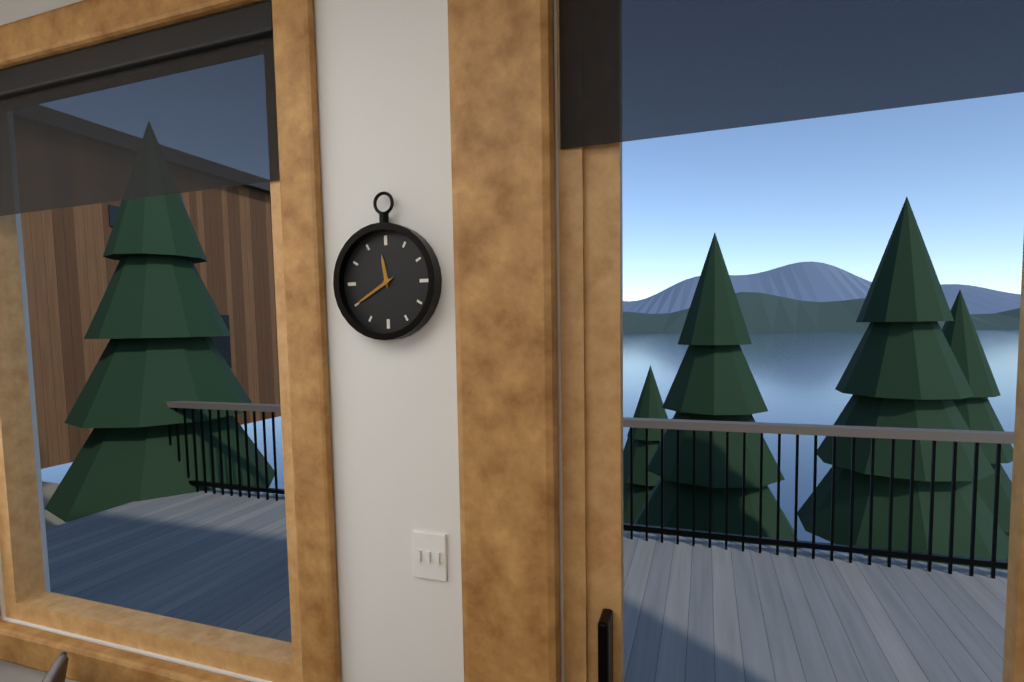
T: 11 h 40 min
